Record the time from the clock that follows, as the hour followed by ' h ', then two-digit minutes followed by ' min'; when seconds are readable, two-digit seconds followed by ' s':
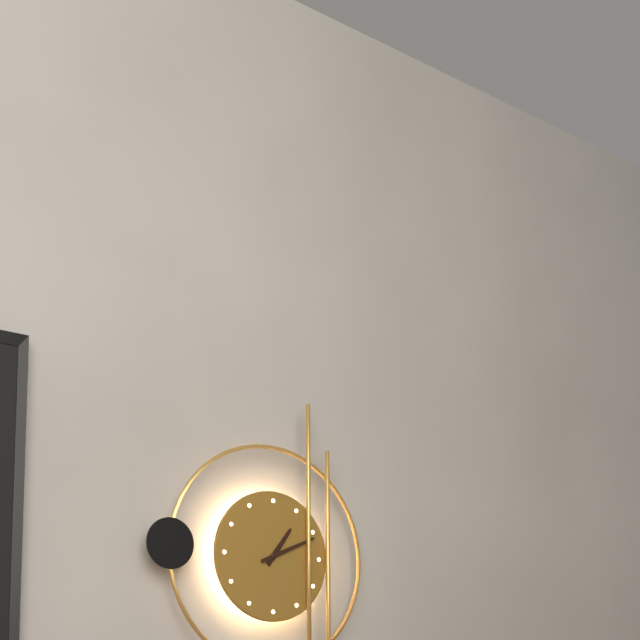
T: 1 h 11 min
